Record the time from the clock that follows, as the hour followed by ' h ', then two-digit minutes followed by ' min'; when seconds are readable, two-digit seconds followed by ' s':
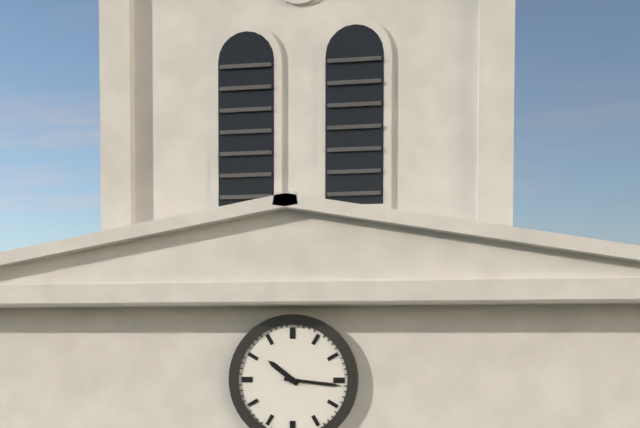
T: 10 h 16 min
